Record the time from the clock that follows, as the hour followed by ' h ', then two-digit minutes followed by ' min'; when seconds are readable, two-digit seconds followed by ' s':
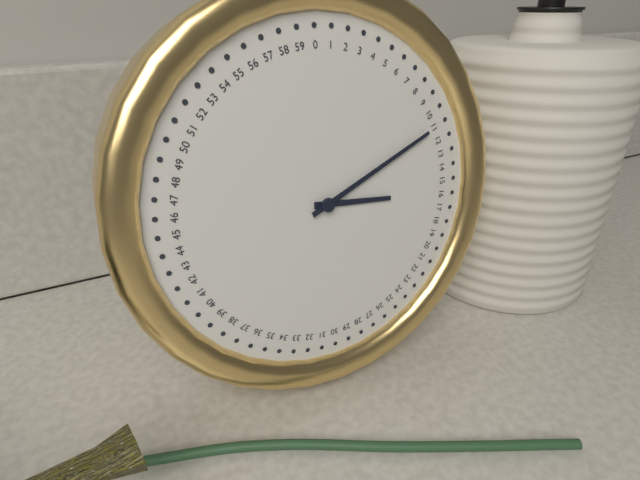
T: 3 h 11 min
